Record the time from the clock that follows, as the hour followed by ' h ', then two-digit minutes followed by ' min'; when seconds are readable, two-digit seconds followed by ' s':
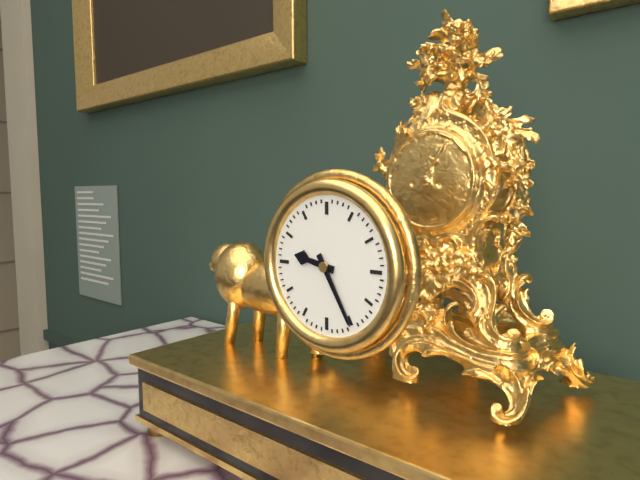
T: 9 h 25 min
